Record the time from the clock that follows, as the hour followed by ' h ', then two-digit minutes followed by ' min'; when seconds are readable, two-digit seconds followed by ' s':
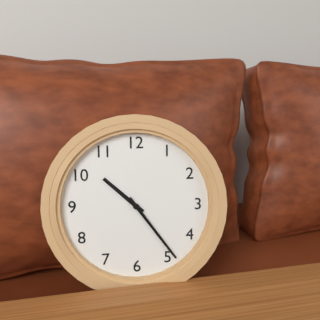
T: 10 h 24 min
